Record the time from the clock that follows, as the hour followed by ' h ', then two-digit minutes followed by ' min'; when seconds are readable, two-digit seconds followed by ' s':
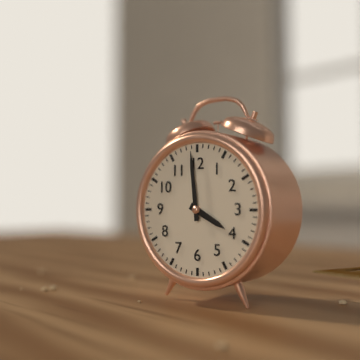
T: 3 h 59 min
